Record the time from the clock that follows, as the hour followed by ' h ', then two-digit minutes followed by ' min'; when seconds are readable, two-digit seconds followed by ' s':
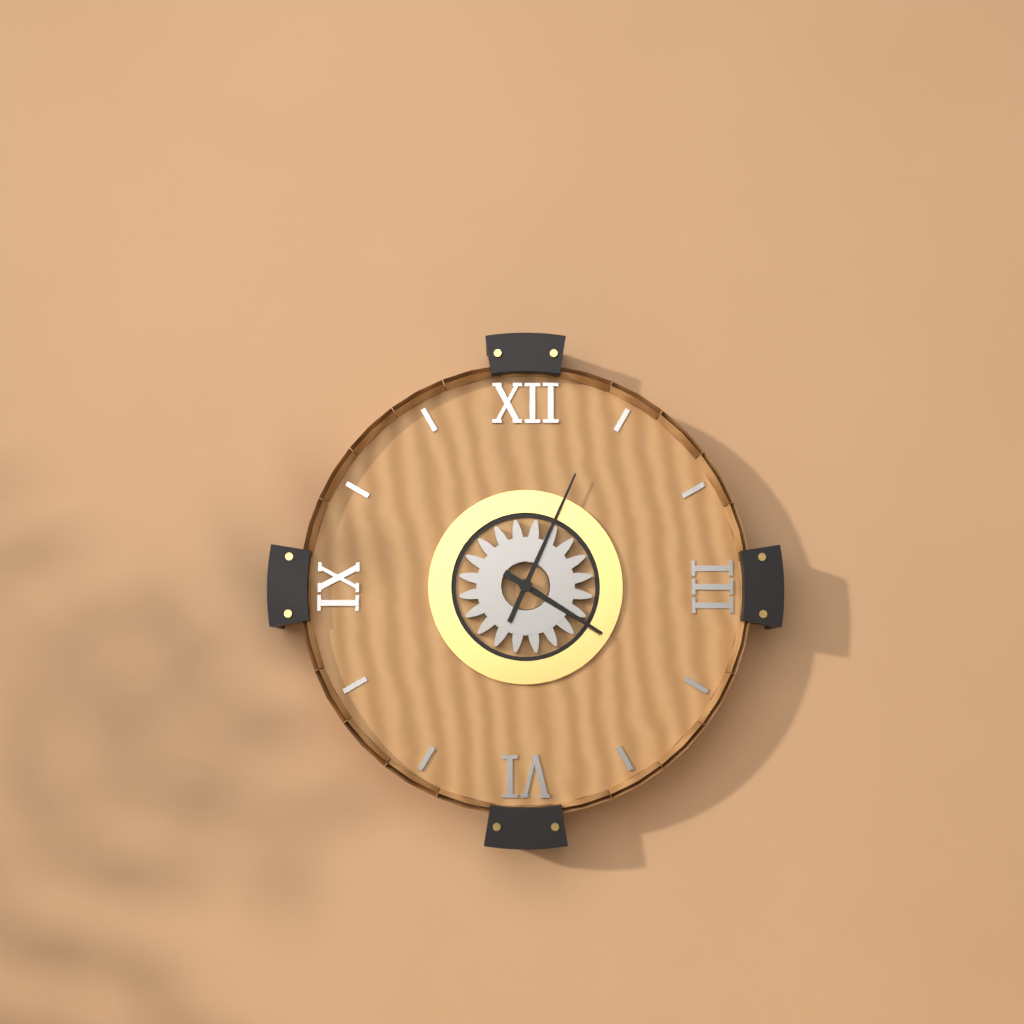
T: 4 h 04 min
